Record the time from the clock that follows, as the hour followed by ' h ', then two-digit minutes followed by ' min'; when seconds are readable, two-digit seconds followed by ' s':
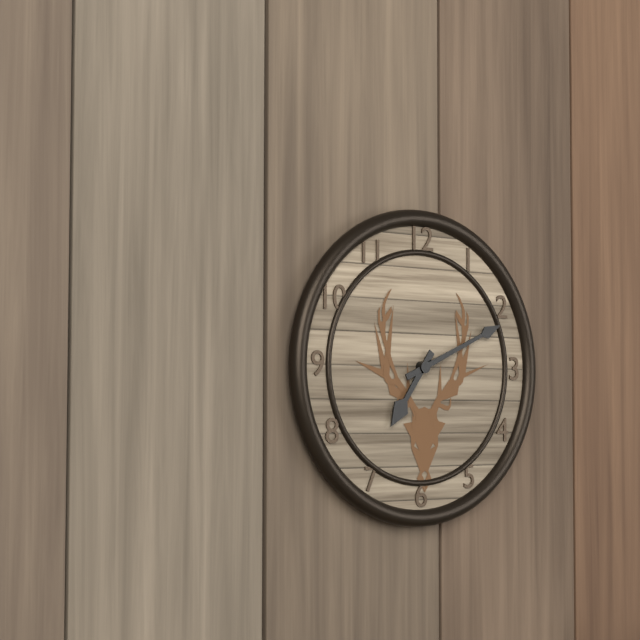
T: 7 h 11 min
